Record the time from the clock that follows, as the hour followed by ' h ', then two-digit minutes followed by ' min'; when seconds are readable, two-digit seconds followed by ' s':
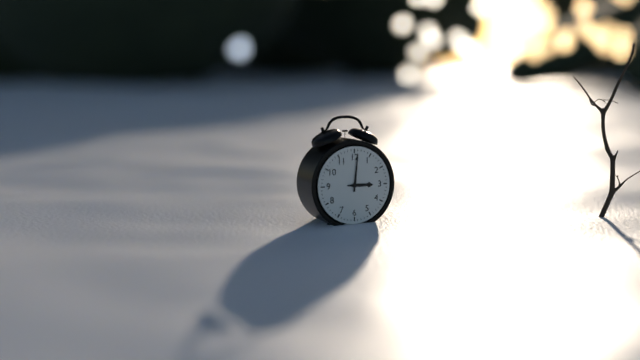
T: 3 h 01 min
